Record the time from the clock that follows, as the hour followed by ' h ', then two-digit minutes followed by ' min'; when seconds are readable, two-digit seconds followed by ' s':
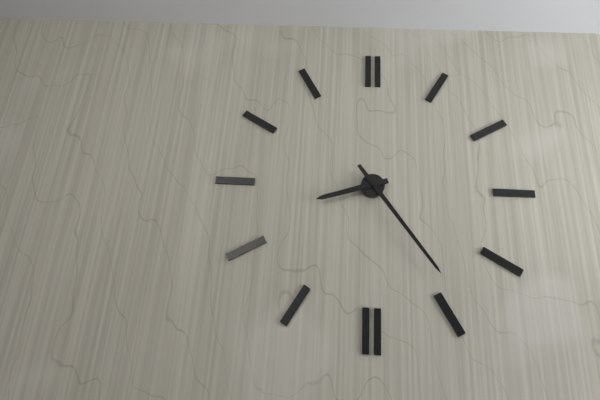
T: 8 h 24 min
